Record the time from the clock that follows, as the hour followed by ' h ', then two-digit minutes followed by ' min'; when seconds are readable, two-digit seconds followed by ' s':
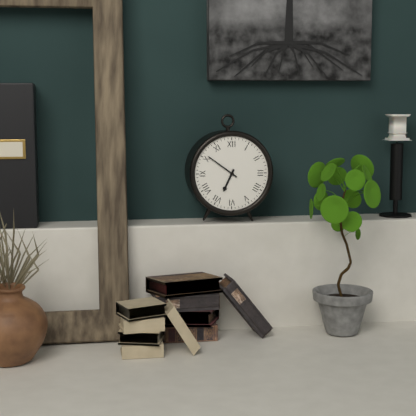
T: 6 h 51 min
